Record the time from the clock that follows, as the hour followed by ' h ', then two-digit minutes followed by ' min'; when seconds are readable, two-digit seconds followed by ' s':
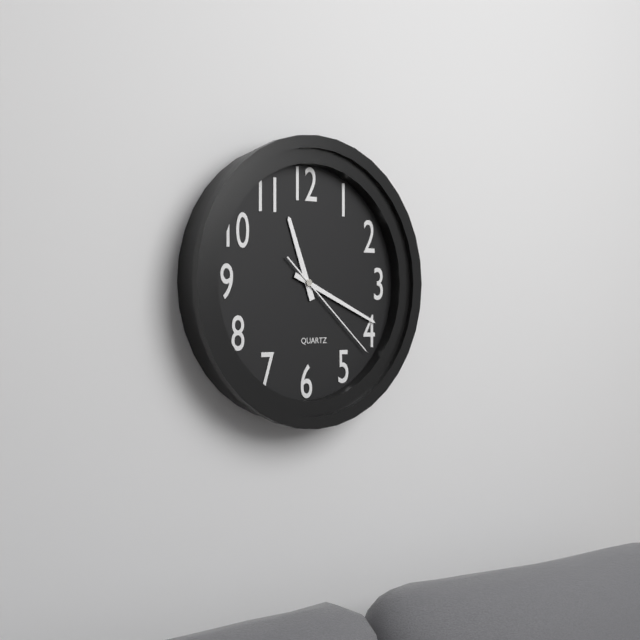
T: 11 h 19 min 22 s
